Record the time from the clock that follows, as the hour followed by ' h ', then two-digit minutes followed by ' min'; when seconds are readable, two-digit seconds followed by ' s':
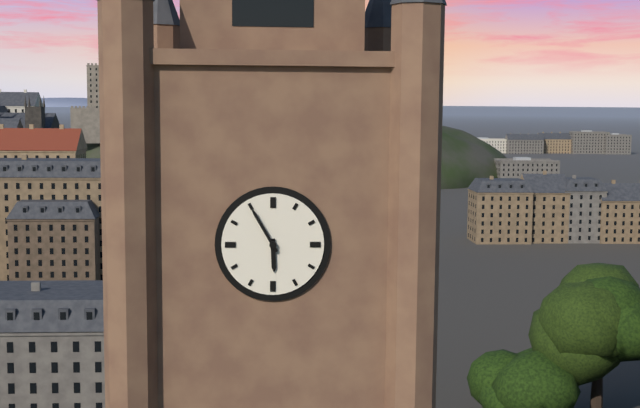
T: 5 h 55 min
